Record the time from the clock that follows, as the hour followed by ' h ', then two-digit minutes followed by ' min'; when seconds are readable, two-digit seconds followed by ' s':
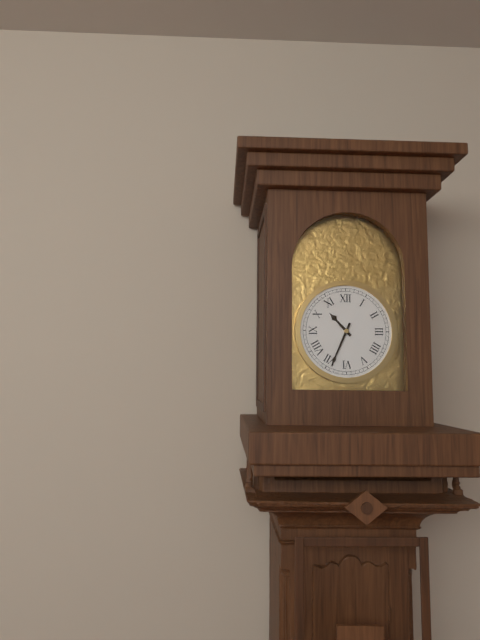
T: 10 h 34 min
